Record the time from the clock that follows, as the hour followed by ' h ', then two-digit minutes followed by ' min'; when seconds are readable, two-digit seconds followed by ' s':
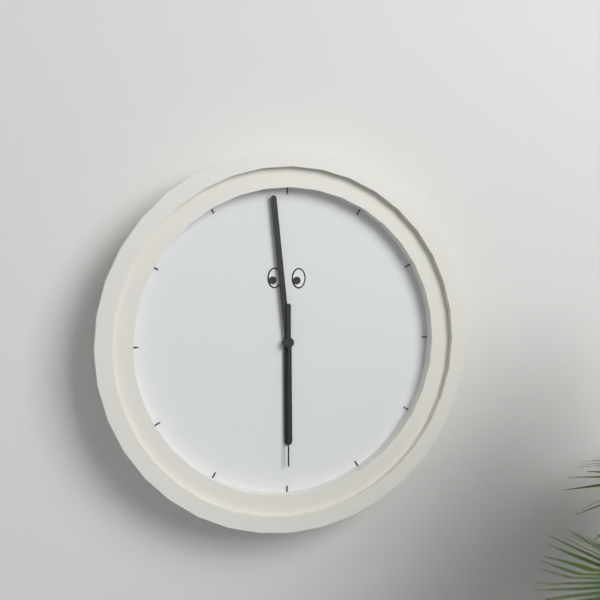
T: 5 h 59 min 30 s
